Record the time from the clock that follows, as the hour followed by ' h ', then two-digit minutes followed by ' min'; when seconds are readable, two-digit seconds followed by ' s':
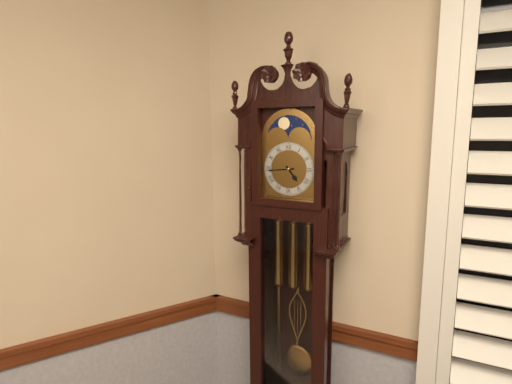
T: 4 h 44 min
